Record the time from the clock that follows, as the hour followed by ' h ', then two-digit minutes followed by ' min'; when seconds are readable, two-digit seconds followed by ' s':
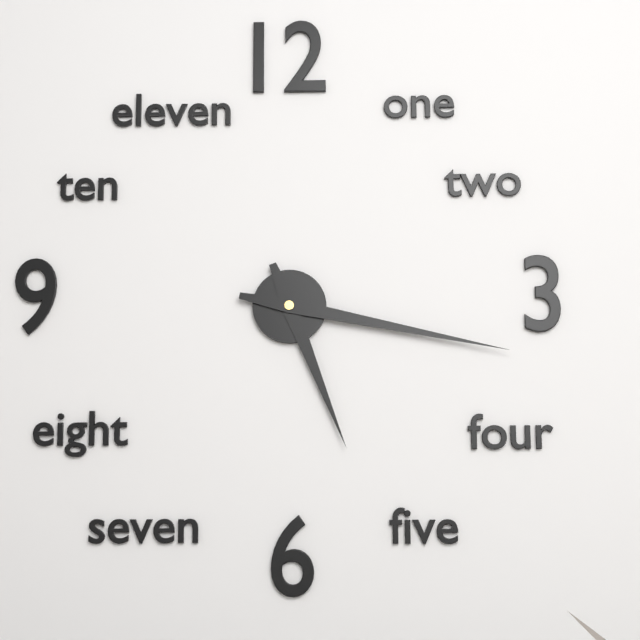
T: 5 h 17 min
